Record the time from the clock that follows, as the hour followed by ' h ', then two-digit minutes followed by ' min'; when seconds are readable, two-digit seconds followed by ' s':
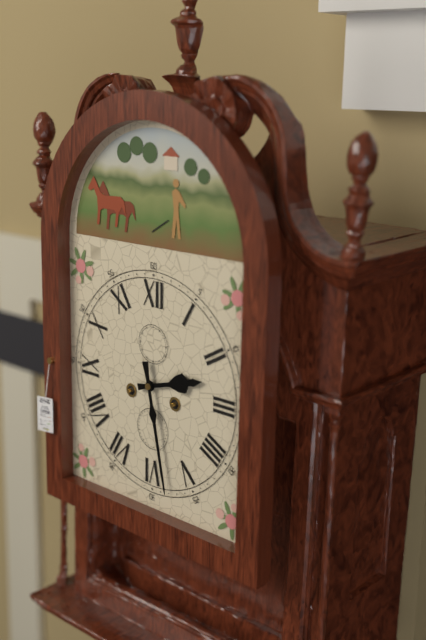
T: 2 h 28 min
